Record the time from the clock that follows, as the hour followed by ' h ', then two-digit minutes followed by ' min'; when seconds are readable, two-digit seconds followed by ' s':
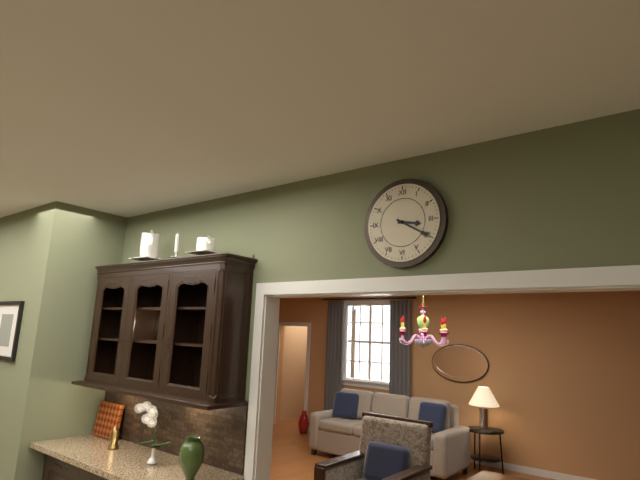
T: 3 h 20 min
